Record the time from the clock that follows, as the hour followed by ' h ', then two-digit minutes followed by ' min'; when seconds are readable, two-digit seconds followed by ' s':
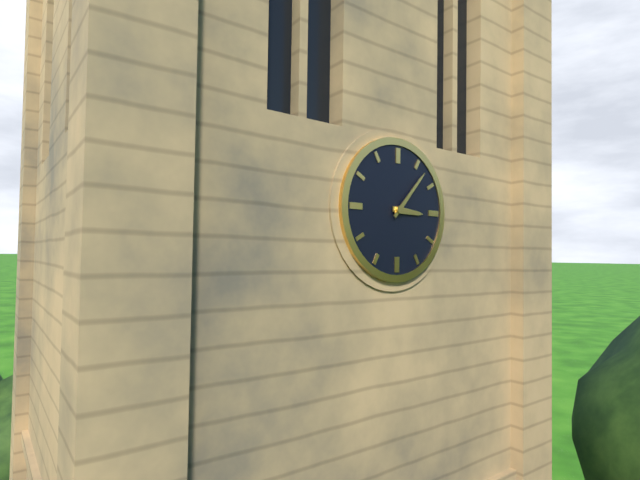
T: 3 h 07 min
